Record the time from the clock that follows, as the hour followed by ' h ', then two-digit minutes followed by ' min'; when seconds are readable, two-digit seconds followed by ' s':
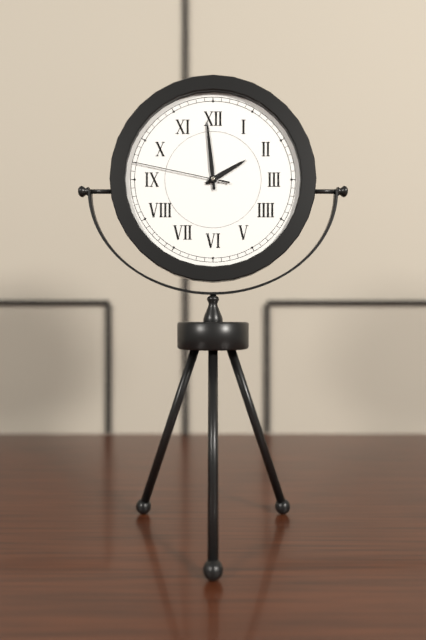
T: 1 h 59 min 47 s
